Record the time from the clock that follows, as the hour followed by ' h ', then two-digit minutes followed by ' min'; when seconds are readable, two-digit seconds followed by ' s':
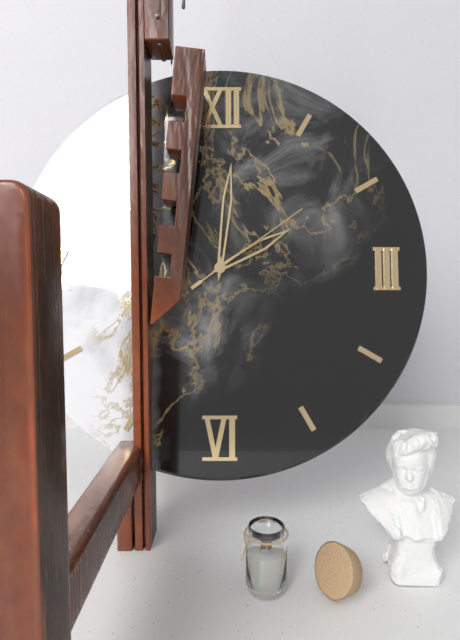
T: 2 h 01 min 09 s
